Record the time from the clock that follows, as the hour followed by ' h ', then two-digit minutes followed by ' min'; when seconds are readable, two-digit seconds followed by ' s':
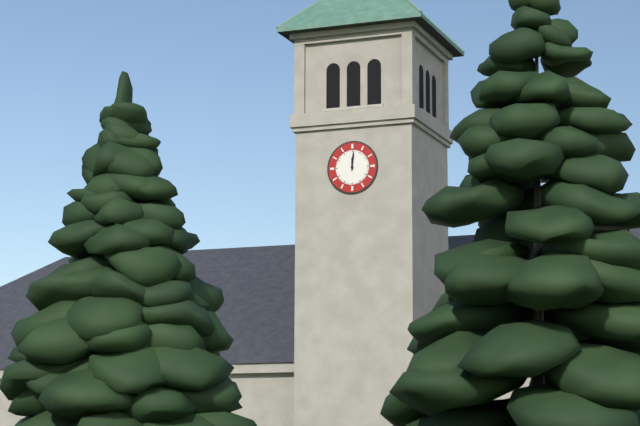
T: 12 h 01 min
